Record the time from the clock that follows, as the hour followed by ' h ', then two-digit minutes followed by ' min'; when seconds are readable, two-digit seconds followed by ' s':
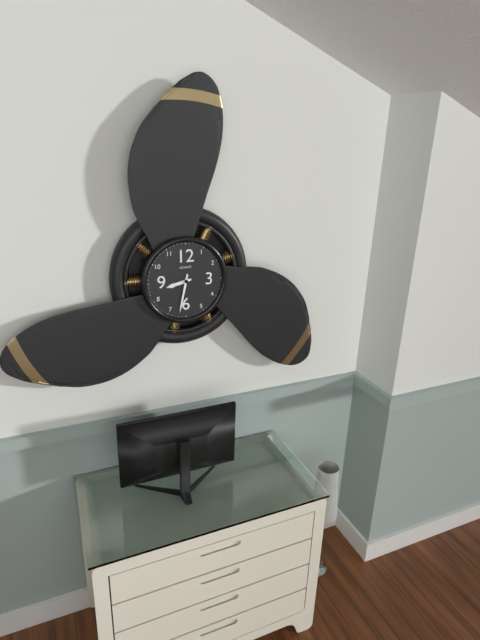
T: 8 h 32 min
